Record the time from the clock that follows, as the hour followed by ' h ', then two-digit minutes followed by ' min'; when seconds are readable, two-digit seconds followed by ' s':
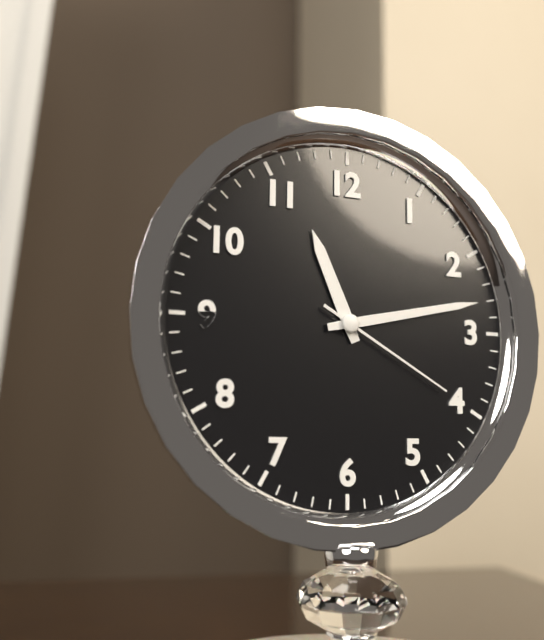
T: 11 h 13 min 20 s
